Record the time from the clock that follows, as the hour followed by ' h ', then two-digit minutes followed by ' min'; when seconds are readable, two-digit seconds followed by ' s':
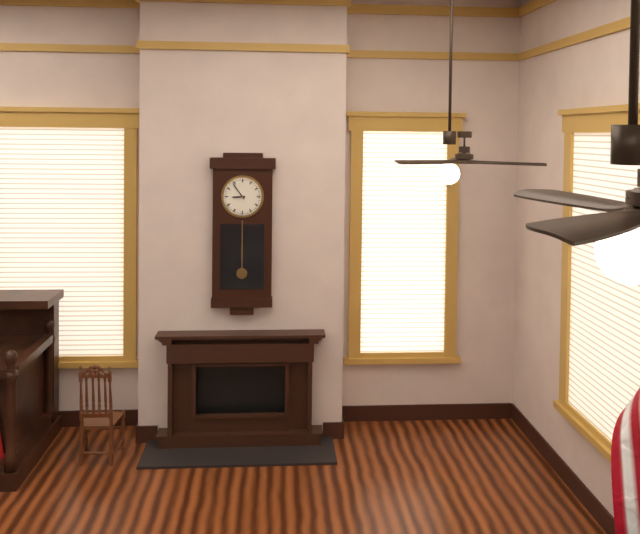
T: 8 h 54 min
